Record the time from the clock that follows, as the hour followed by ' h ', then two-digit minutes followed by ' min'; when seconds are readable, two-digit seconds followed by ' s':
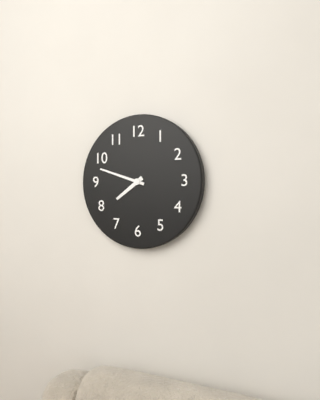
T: 7 h 48 min
